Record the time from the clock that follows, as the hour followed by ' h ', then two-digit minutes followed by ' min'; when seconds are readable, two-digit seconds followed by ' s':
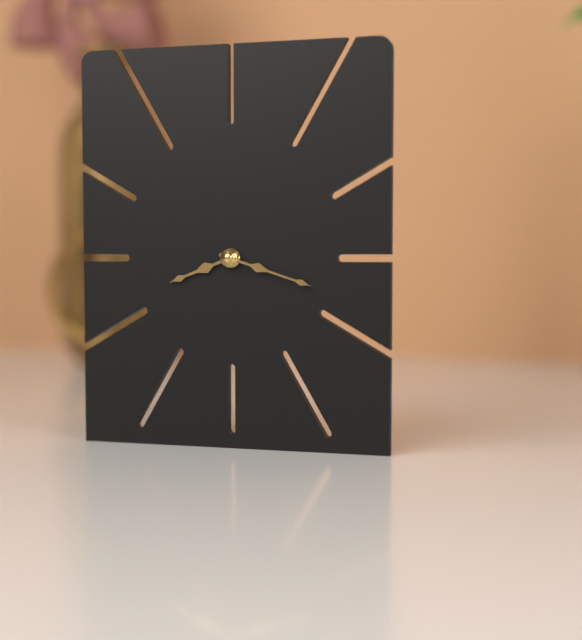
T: 8 h 18 min
